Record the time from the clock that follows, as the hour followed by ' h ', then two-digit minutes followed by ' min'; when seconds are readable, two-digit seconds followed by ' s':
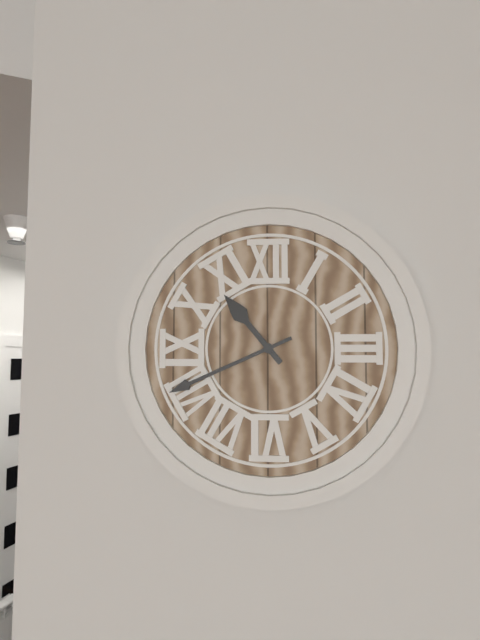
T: 10 h 41 min
